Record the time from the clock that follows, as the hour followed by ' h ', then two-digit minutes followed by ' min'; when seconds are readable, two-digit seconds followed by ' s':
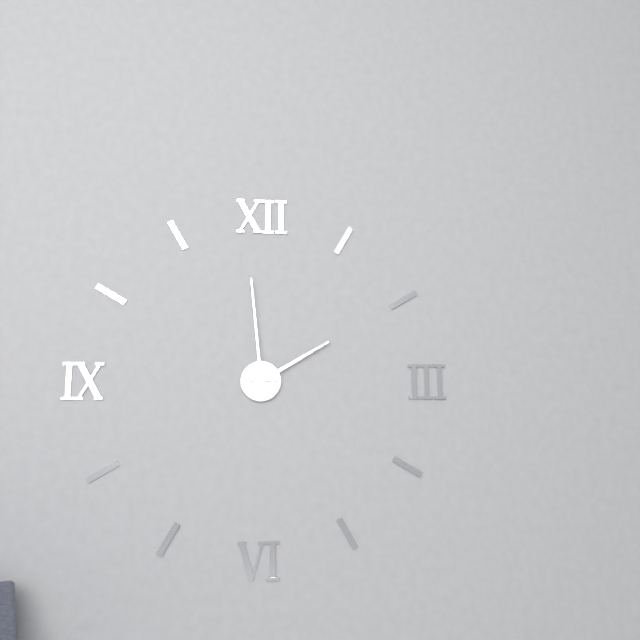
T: 1 h 59 min
